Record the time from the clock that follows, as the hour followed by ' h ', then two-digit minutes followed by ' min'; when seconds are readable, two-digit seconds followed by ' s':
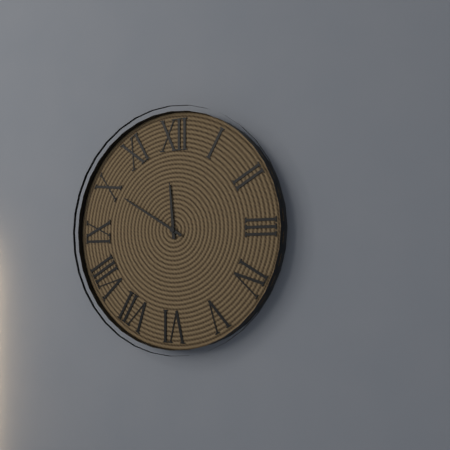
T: 11 h 50 min
